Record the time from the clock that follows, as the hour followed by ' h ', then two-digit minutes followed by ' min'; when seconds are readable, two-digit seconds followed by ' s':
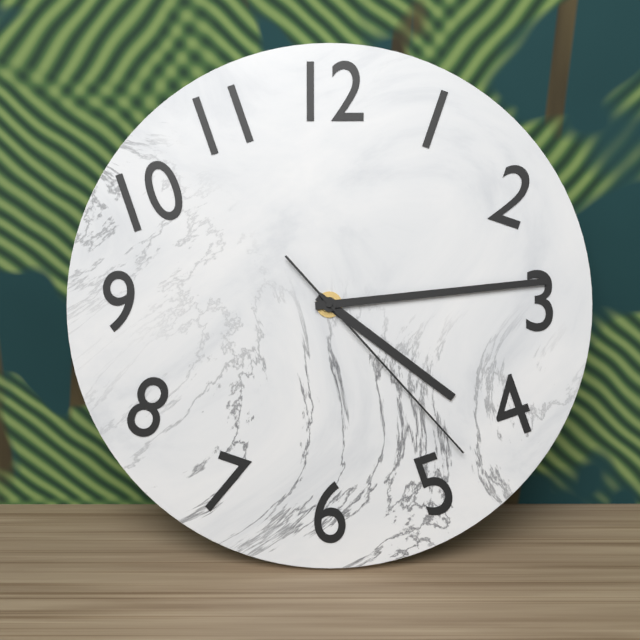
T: 4 h 14 min 23 s
